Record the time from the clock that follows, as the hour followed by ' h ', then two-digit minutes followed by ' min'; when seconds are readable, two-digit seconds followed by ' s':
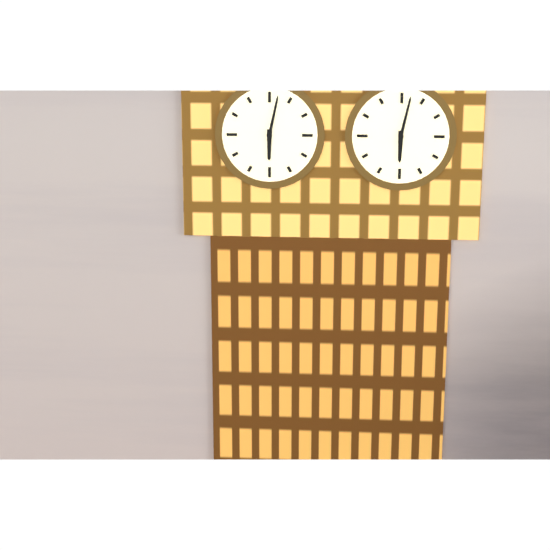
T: 6 h 02 min
